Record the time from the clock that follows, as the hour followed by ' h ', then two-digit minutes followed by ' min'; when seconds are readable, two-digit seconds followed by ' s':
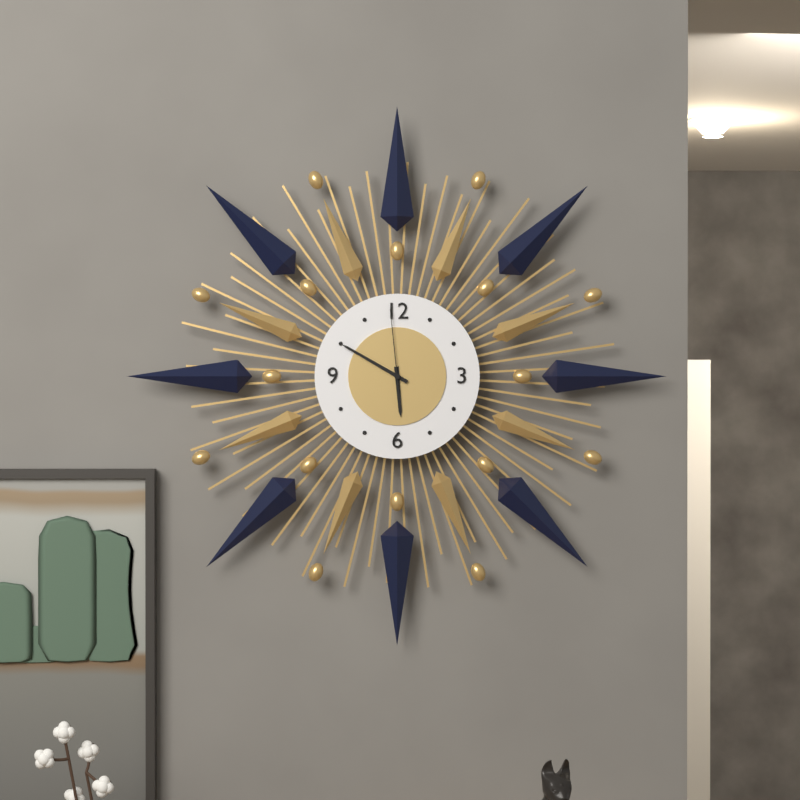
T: 5 h 50 min 59 s
